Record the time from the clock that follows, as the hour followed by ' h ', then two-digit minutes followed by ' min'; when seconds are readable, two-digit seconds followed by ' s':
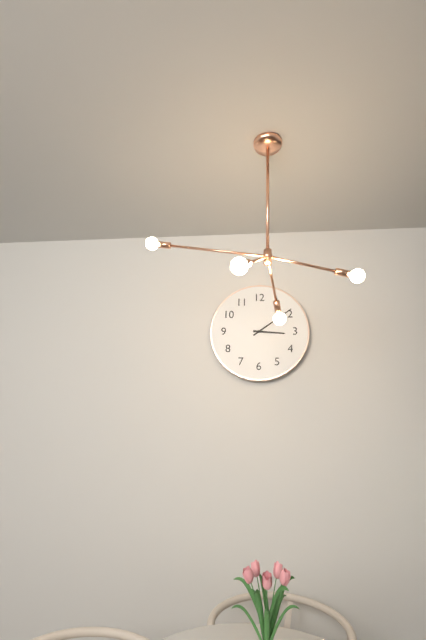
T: 3 h 09 min
